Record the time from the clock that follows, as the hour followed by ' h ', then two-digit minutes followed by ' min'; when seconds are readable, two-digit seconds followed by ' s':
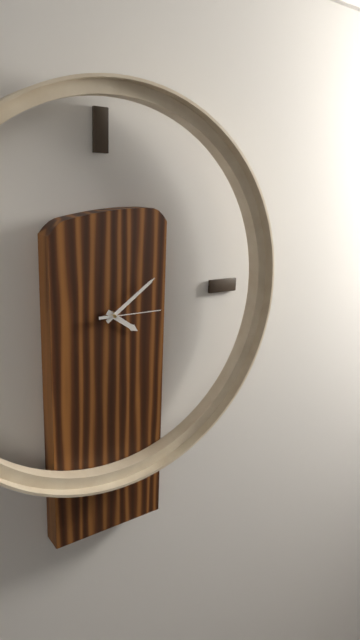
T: 4 h 09 min 15 s
